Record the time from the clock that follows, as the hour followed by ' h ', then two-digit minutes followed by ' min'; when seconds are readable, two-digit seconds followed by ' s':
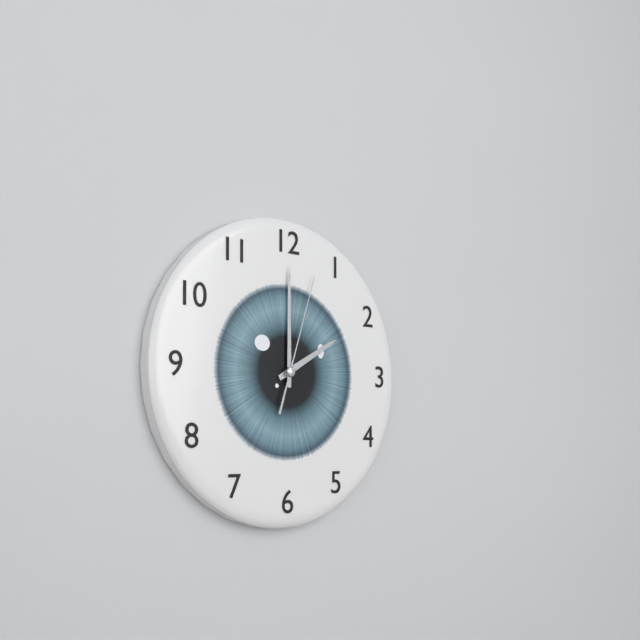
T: 2 h 00 min 03 s
